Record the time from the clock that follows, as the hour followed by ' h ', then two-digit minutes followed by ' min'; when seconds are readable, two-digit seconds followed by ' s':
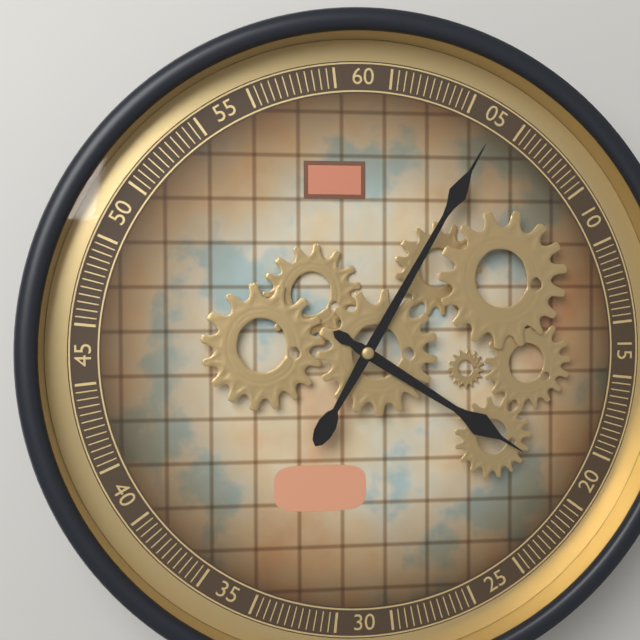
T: 4 h 05 min
